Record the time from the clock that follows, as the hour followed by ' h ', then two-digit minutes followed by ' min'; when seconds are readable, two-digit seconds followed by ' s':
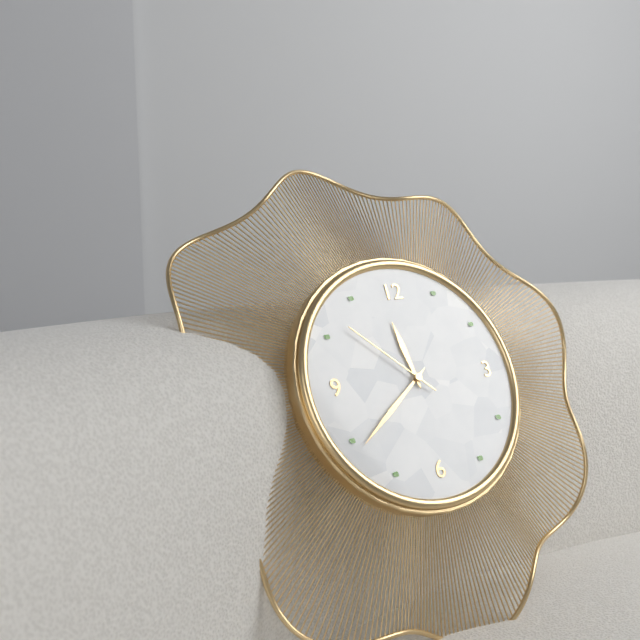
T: 11 h 39 min 52 s
